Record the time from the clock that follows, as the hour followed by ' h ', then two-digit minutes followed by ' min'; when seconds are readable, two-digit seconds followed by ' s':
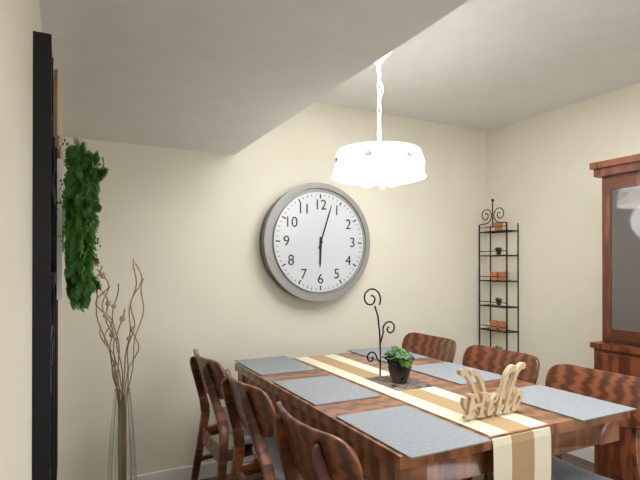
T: 6 h 03 min
